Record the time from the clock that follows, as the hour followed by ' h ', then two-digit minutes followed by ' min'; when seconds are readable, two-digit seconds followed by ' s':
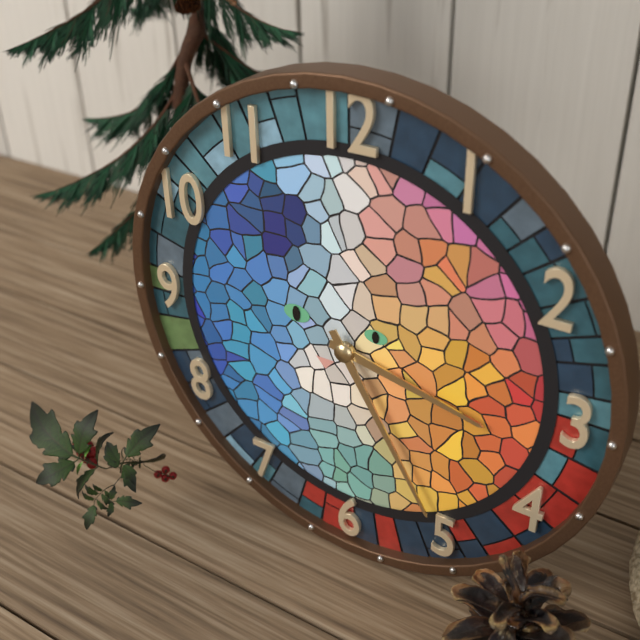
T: 3 h 25 min
